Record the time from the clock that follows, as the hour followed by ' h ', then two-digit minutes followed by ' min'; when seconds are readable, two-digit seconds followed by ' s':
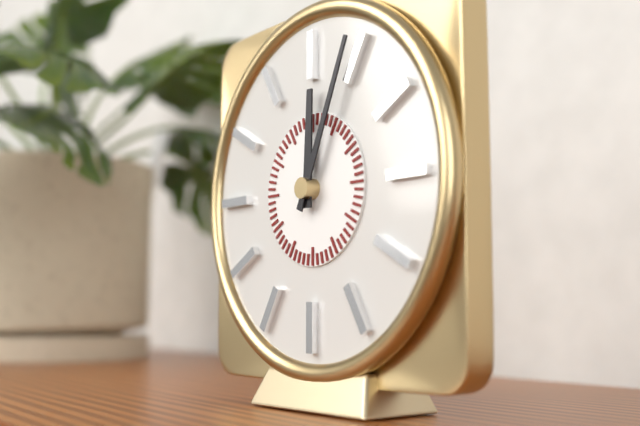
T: 12 h 04 min
